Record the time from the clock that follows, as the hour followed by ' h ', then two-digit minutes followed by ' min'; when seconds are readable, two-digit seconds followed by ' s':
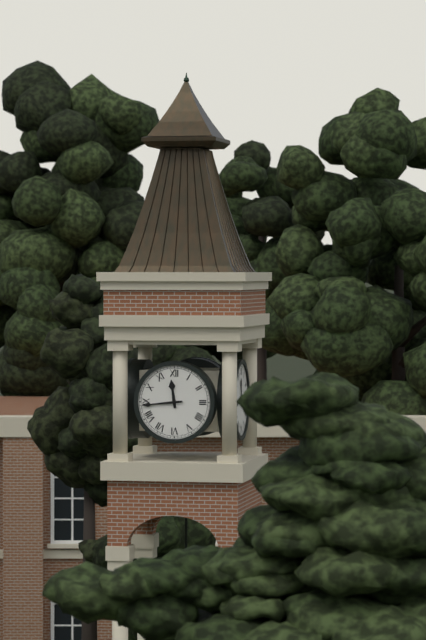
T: 11 h 44 min
